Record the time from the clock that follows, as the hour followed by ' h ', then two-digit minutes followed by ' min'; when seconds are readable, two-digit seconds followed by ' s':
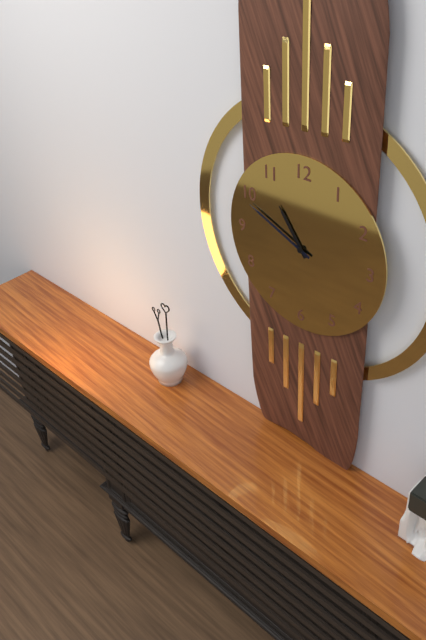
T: 10 h 49 min
